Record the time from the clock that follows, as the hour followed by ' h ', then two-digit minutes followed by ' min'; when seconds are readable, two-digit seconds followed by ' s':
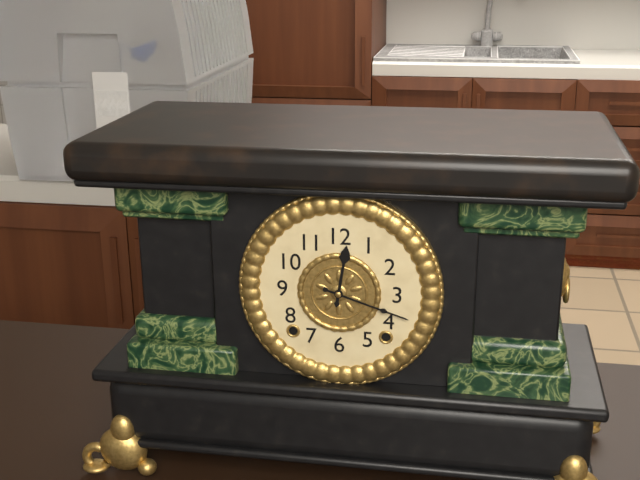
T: 12 h 18 min
